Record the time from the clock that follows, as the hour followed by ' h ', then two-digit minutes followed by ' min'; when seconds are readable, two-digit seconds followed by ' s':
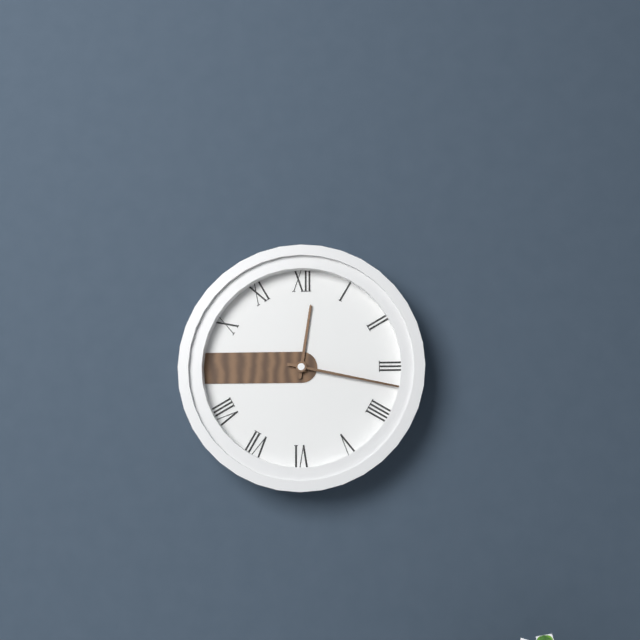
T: 12 h 17 min
